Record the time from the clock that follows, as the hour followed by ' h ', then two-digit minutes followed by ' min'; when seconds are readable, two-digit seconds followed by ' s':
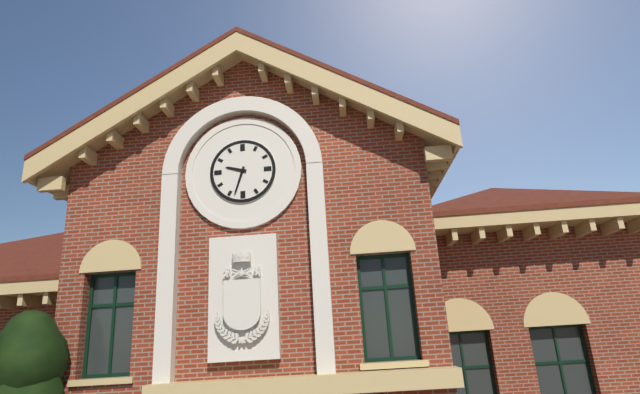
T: 9 h 33 min
